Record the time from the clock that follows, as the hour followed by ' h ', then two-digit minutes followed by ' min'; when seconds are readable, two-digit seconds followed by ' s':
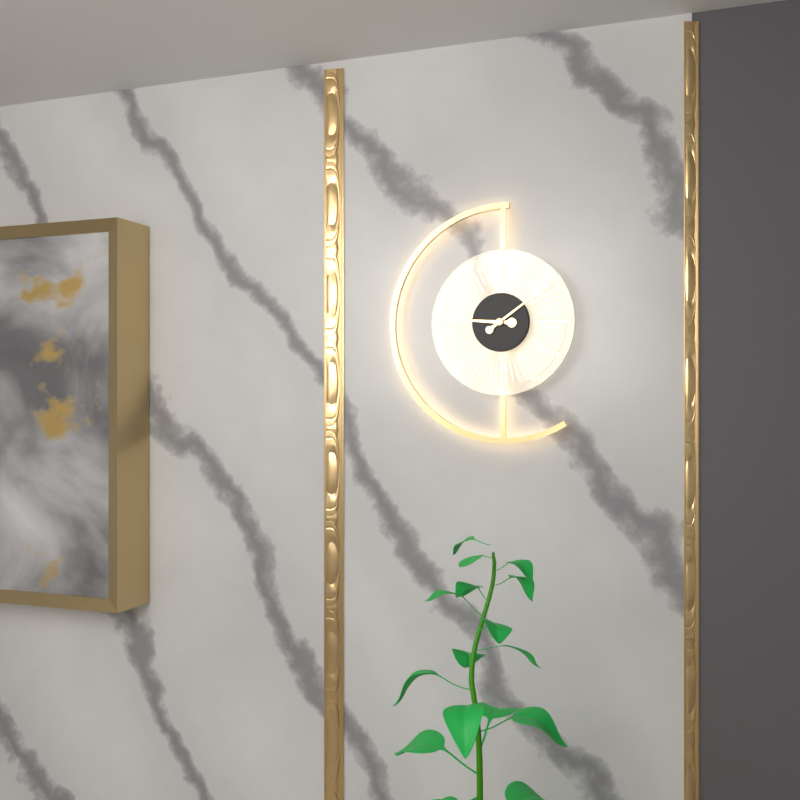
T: 9 h 09 min
